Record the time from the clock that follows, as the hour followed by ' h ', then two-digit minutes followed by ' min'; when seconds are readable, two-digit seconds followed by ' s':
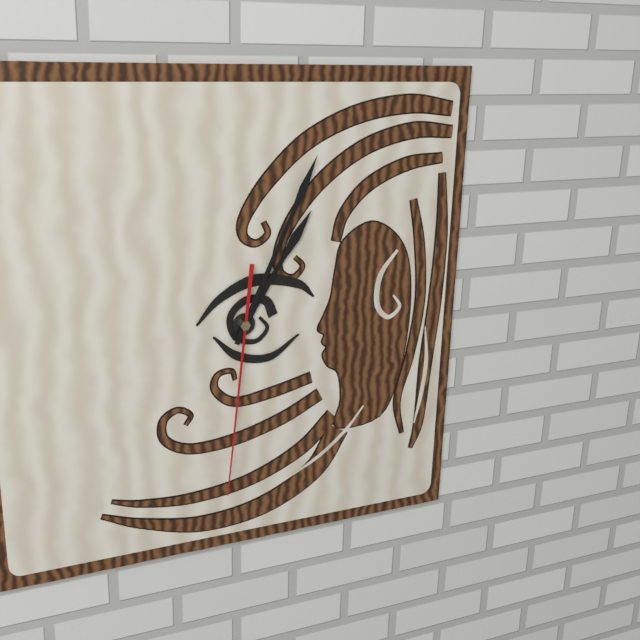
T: 1 h 04 min 31 s
